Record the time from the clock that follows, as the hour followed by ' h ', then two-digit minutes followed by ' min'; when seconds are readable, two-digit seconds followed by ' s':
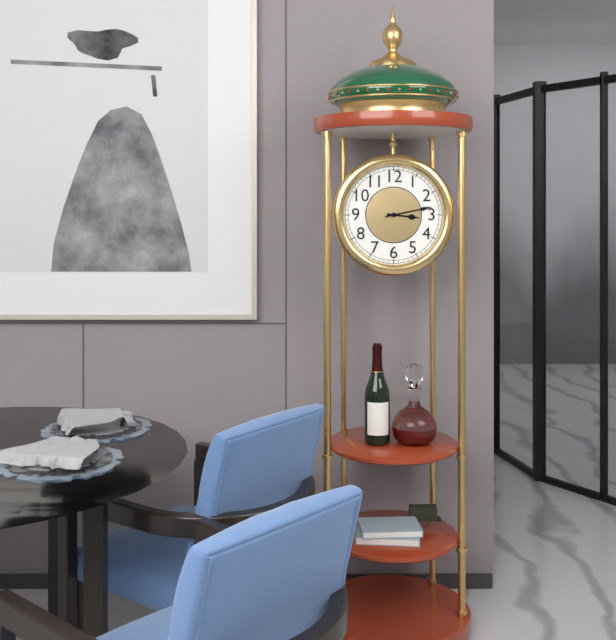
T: 3 h 13 min
